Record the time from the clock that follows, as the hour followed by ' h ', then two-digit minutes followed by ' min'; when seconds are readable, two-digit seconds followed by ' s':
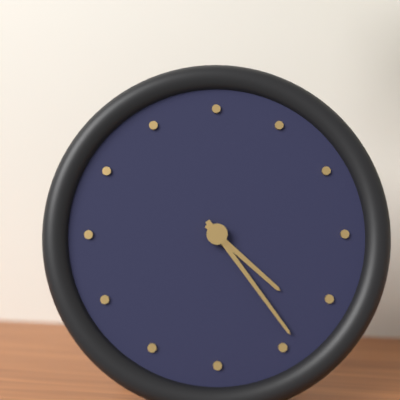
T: 4 h 24 min
